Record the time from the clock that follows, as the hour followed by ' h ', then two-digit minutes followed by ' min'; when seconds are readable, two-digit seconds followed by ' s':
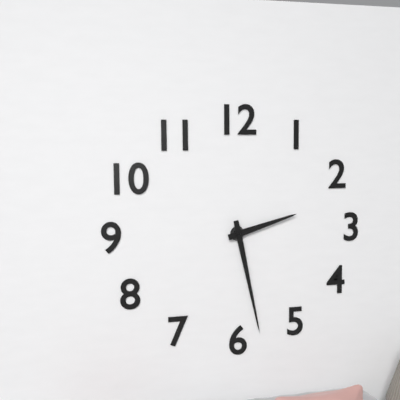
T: 2 h 28 min
